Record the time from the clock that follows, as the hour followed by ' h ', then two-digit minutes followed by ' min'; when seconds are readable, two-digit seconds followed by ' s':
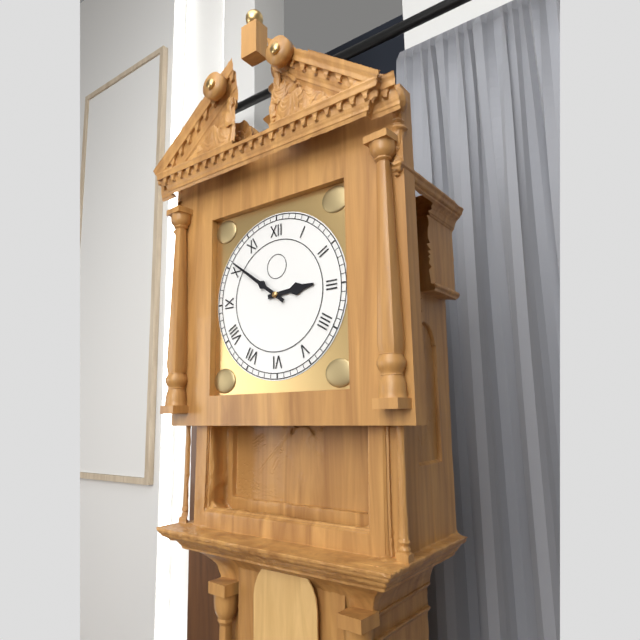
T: 2 h 51 min
